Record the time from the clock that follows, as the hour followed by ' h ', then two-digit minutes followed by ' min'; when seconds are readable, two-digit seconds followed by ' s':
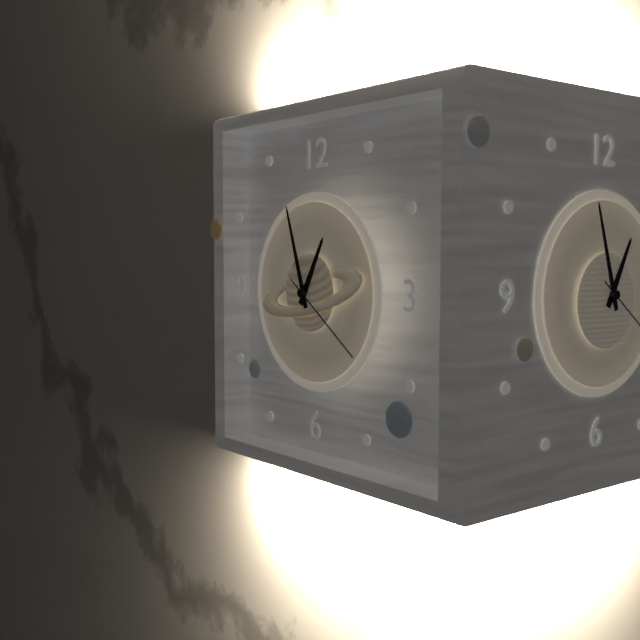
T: 12 h 57 min 21 s
